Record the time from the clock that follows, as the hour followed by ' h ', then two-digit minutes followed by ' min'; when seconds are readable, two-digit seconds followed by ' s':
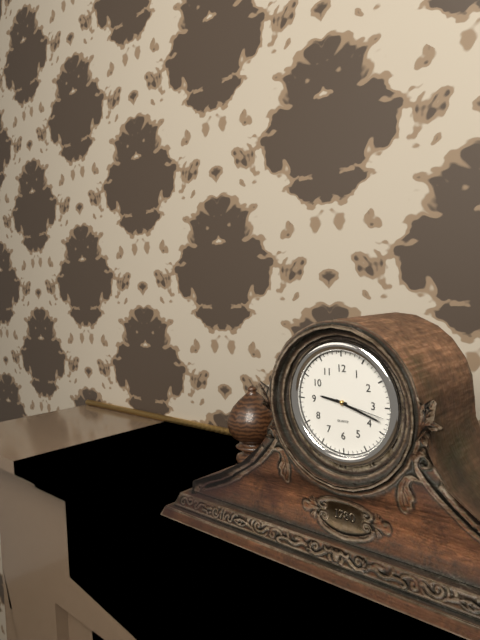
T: 9 h 18 min 17 s
